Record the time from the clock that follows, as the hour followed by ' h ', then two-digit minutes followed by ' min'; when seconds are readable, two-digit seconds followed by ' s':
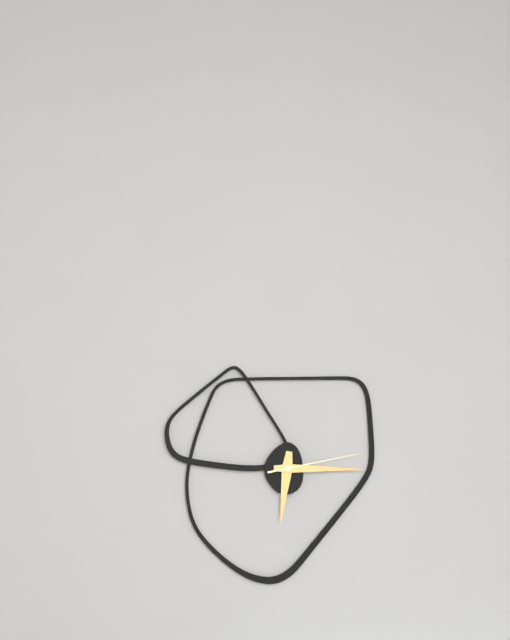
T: 6 h 15 min 13 s
